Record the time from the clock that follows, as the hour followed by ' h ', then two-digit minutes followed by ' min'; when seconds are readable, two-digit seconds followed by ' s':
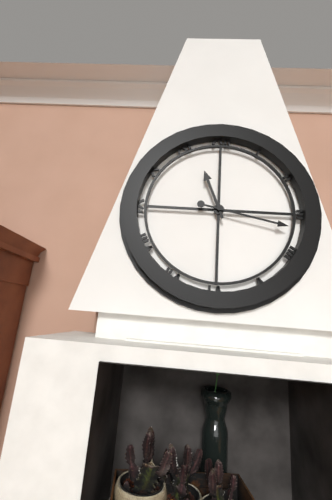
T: 11 h 17 min
